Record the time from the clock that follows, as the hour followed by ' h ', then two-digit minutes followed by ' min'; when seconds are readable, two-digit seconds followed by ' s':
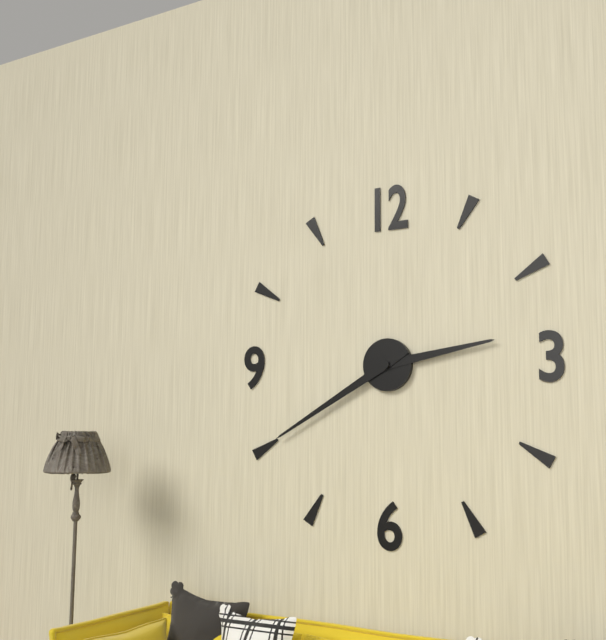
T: 2 h 40 min
